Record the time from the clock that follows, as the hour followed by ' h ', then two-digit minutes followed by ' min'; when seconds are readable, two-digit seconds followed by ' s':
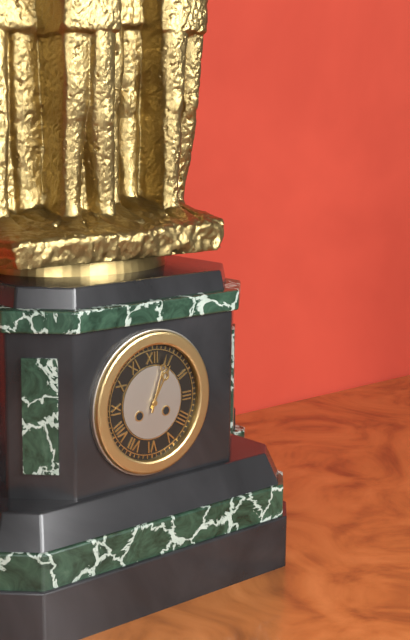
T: 1 h 03 min
